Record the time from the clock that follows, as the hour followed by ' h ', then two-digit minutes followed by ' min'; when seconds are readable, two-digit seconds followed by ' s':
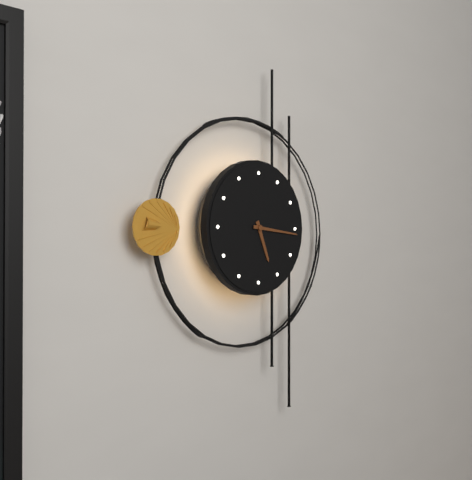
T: 5 h 16 min
